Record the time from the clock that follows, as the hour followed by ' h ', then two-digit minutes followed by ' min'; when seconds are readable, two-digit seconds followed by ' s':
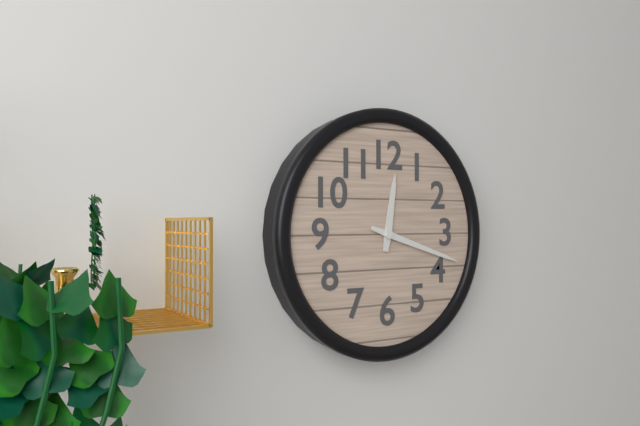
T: 12 h 18 min
